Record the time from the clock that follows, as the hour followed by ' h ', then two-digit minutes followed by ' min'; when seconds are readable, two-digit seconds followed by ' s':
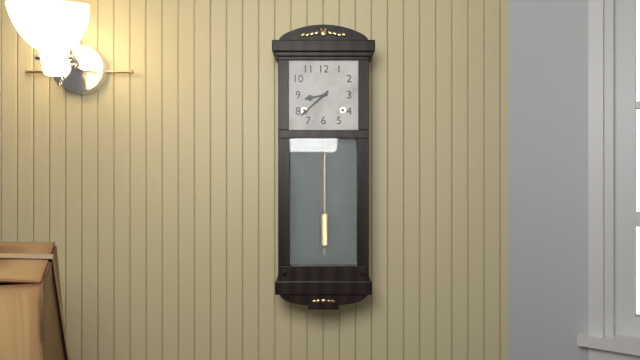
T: 8 h 38 min
